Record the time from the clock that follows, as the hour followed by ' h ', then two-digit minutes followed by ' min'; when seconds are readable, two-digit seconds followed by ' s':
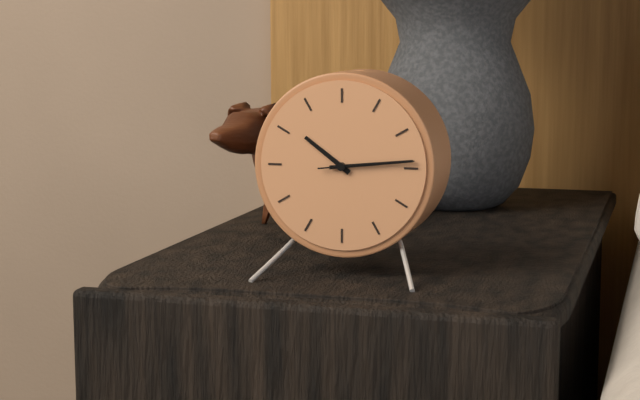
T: 10 h 14 min 14 s
